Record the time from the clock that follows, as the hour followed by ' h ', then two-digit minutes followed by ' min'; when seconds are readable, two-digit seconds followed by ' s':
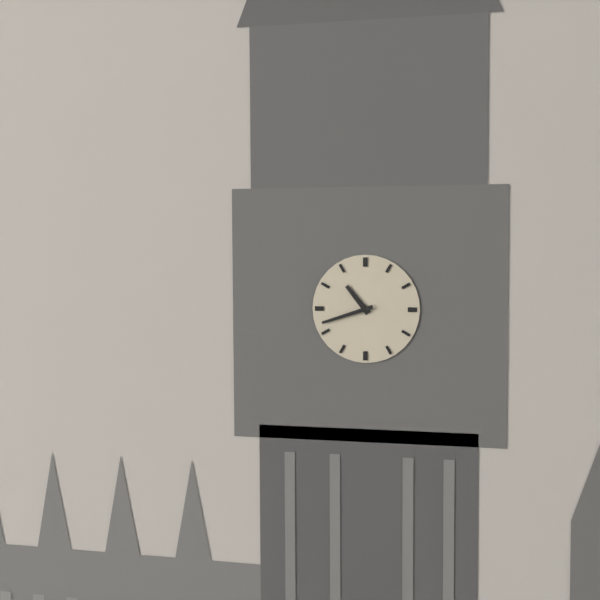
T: 10 h 42 min
